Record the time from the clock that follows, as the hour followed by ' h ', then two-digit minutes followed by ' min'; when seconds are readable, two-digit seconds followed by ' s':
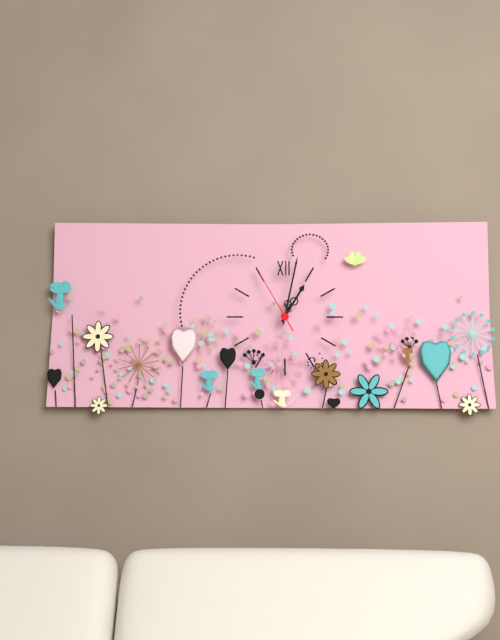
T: 1 h 02 min 55 s
